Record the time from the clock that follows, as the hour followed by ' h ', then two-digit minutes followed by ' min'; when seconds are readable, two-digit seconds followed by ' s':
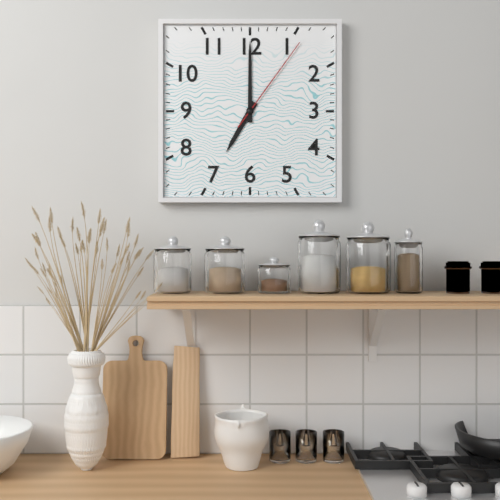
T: 7 h 00 min 06 s
